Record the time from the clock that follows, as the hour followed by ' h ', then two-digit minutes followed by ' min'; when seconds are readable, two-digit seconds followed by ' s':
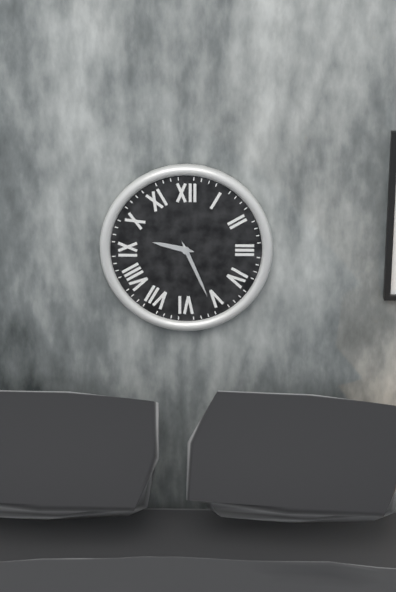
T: 9 h 26 min
